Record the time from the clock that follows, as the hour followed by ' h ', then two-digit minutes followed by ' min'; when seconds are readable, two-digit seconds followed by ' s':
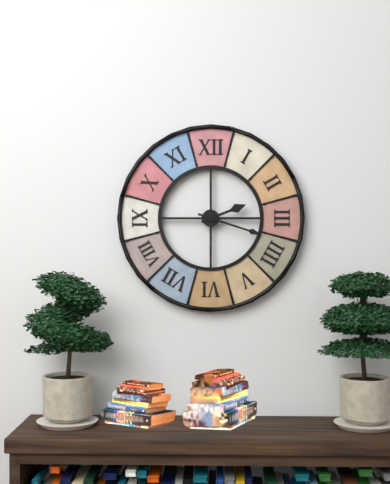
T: 2 h 18 min
